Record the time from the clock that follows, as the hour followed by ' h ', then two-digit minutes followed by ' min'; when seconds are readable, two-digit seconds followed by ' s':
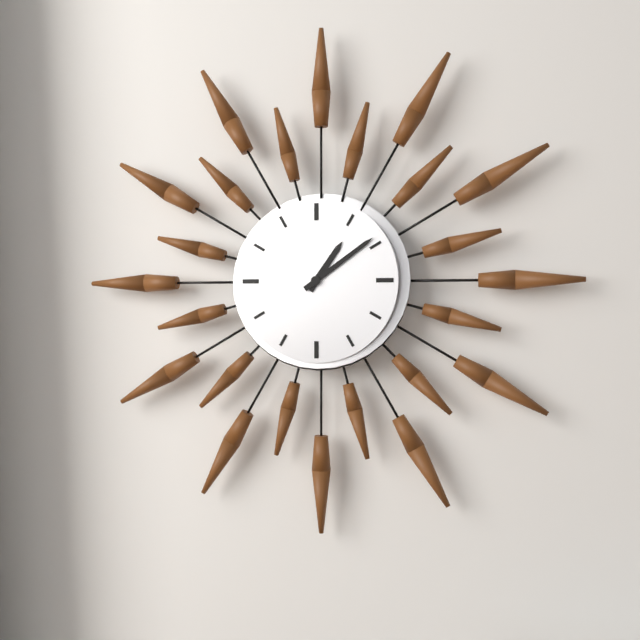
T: 1 h 09 min
